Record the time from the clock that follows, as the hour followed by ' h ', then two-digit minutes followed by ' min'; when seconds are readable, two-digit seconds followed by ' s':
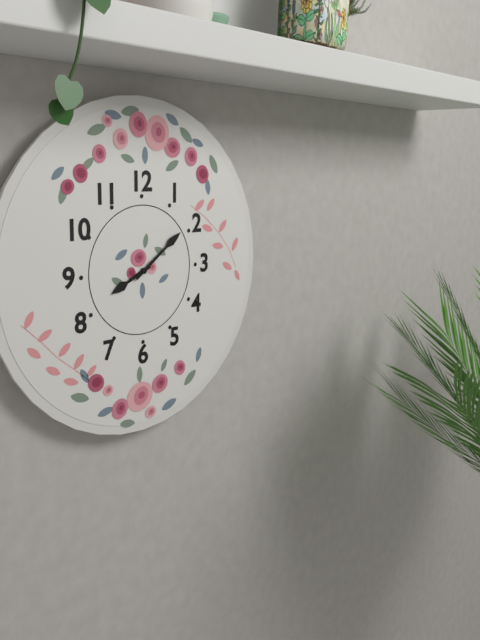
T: 8 h 09 min
